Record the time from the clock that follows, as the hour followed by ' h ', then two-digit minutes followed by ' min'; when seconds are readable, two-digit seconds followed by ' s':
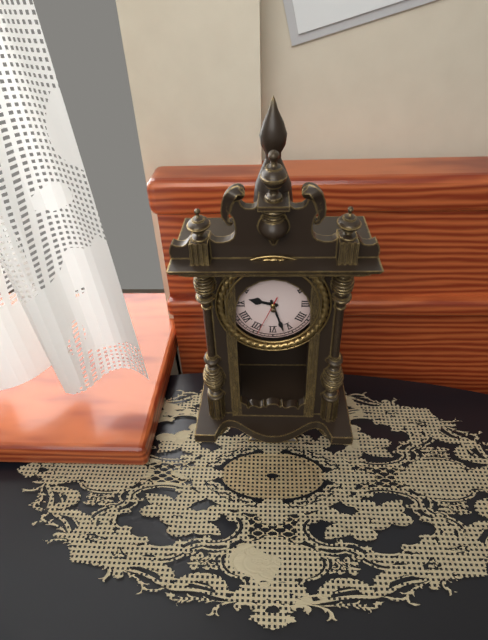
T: 9 h 27 min
